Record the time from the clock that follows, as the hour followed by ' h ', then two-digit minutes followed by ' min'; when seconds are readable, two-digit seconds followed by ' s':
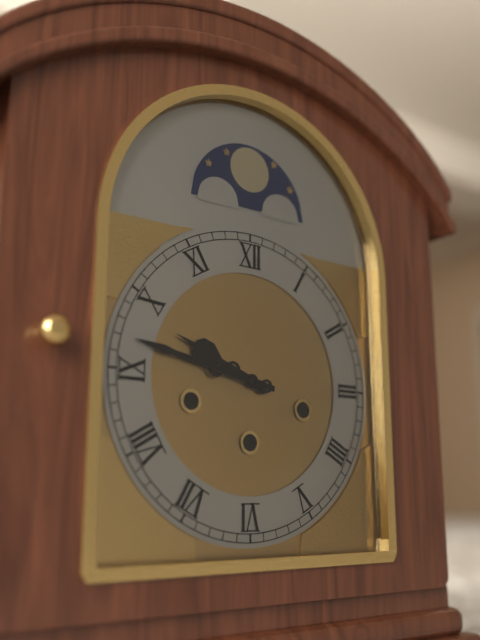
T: 9 h 47 min
